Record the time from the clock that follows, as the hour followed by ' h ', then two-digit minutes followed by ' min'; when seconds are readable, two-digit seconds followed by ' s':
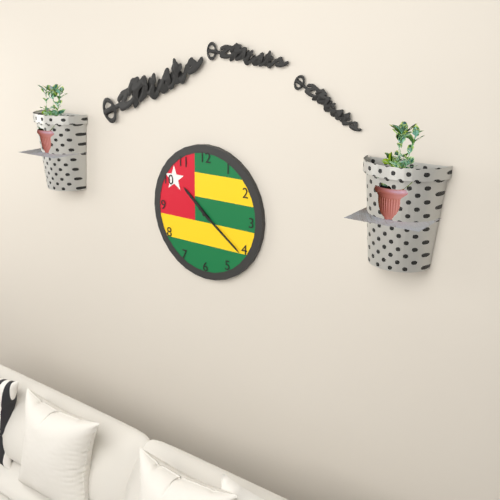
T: 10 h 21 min
